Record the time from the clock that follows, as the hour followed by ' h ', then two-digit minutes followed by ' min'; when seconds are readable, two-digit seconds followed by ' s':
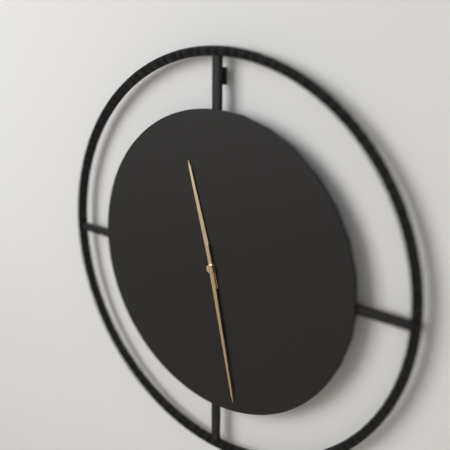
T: 11 h 28 min
